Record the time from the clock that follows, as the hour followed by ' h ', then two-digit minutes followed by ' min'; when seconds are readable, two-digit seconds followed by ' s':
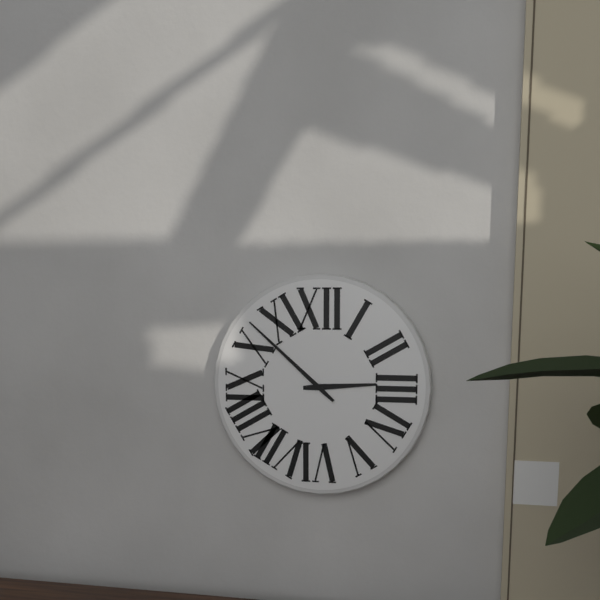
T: 2 h 52 min
